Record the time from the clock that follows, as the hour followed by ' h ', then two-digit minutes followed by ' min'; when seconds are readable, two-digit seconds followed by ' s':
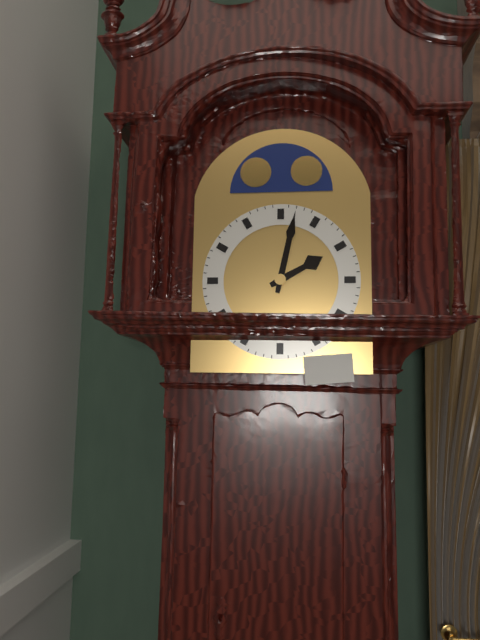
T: 2 h 02 min
